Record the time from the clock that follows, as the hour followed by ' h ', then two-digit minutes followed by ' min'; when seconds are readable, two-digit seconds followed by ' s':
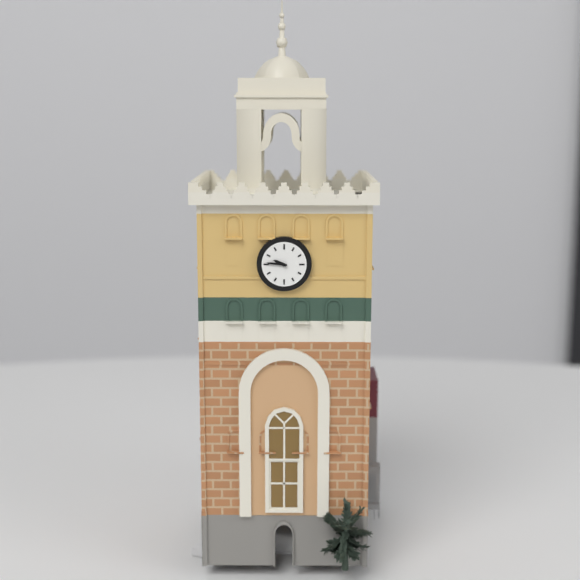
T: 9 h 46 min
